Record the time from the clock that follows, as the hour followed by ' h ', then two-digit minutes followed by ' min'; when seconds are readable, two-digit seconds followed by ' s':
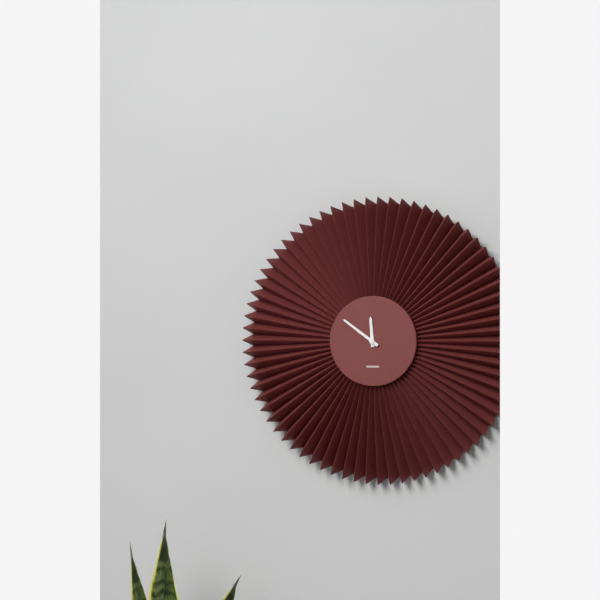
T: 11 h 51 min
